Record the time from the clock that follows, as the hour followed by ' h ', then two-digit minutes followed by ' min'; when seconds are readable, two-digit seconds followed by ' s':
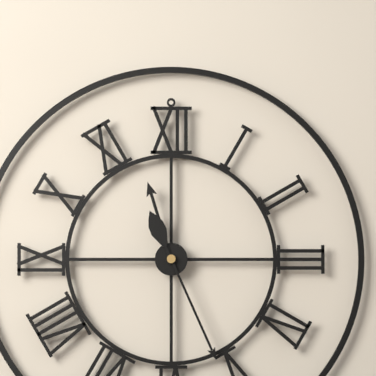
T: 11 h 26 min
